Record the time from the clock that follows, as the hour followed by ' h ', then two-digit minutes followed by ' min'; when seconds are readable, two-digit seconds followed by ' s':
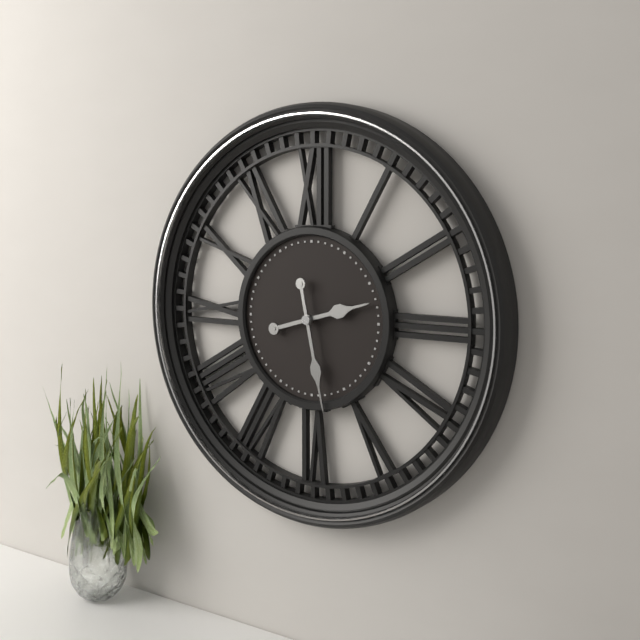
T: 2 h 28 min
